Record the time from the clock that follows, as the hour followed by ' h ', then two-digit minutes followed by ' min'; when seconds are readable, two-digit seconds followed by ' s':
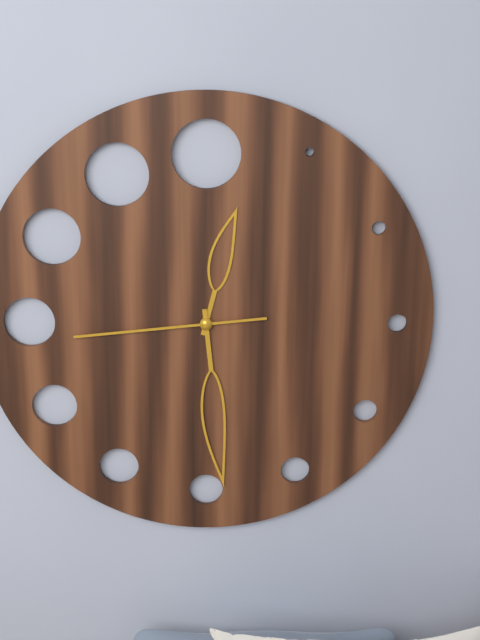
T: 12 h 29 min 44 s
